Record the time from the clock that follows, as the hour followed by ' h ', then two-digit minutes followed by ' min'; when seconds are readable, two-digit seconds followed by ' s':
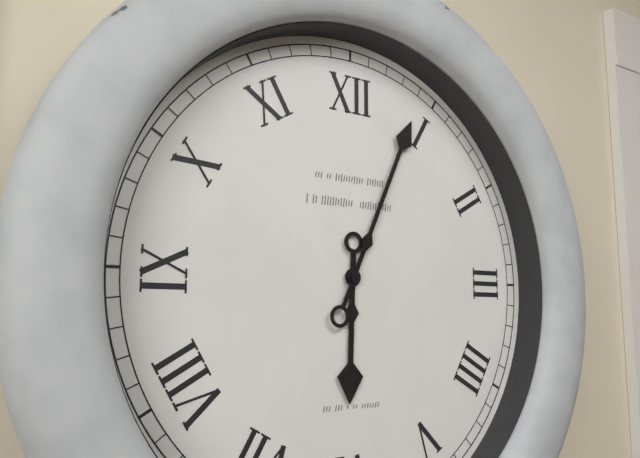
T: 6 h 04 min
